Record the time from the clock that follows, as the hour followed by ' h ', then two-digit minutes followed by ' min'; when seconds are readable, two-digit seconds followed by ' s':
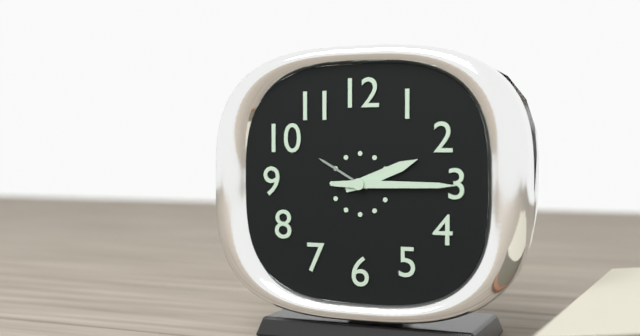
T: 2 h 15 min
